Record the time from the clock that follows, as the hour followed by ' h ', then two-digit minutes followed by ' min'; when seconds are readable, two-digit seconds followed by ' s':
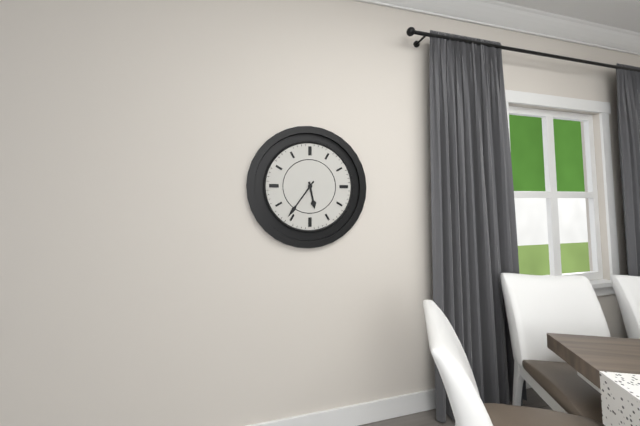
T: 5 h 36 min
